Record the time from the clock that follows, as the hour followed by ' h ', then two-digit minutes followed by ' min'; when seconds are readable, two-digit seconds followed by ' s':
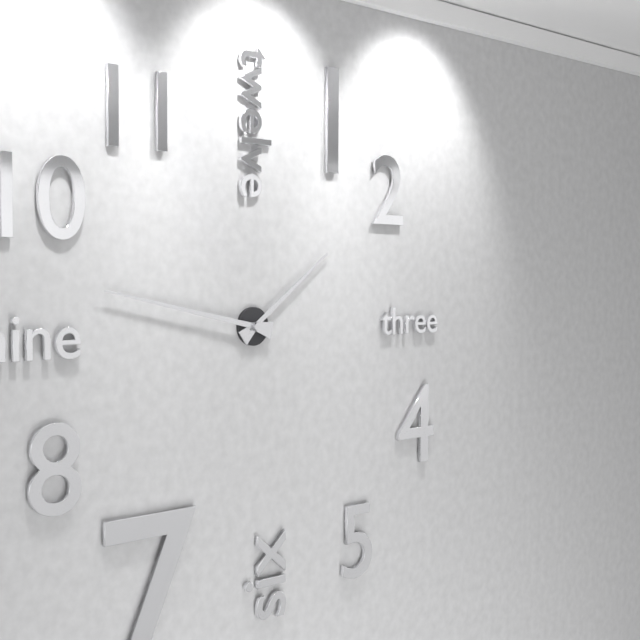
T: 1 h 47 min
